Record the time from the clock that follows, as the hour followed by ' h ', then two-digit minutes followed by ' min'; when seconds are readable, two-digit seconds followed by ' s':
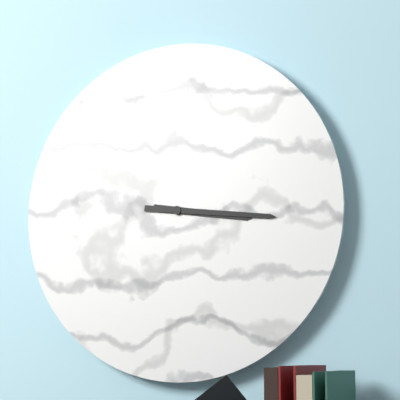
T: 3 h 16 min
